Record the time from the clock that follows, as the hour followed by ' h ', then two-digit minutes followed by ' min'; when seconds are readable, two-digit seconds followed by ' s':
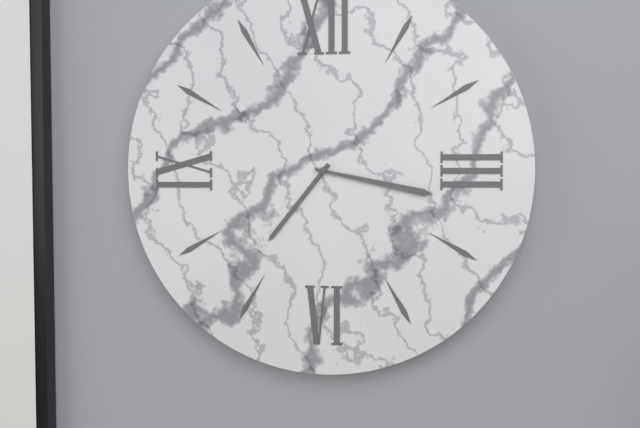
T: 7 h 17 min
